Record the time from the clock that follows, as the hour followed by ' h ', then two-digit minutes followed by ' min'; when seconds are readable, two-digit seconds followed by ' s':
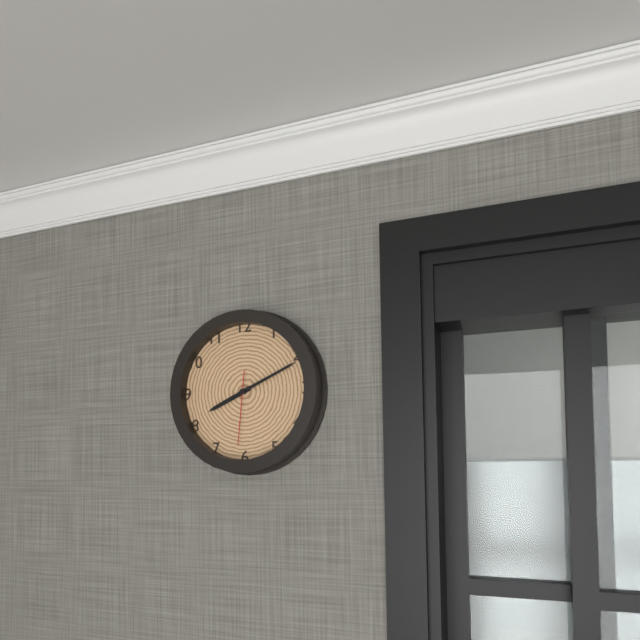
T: 8 h 11 min 31 s
